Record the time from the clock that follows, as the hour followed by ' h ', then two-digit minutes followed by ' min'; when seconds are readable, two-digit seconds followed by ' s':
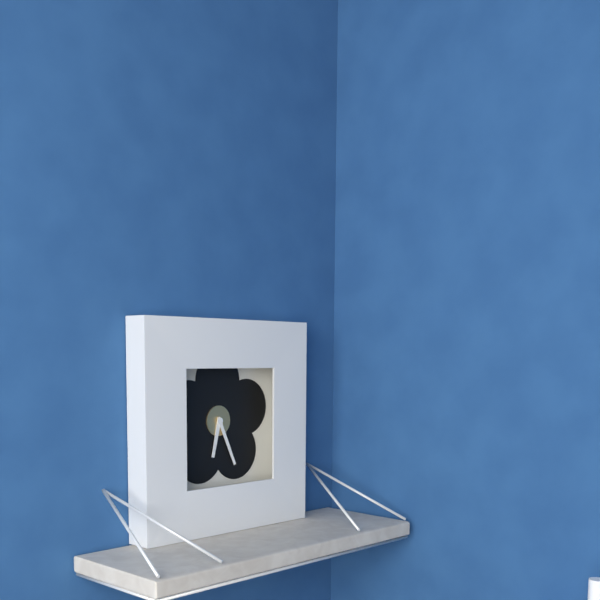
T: 6 h 26 min
